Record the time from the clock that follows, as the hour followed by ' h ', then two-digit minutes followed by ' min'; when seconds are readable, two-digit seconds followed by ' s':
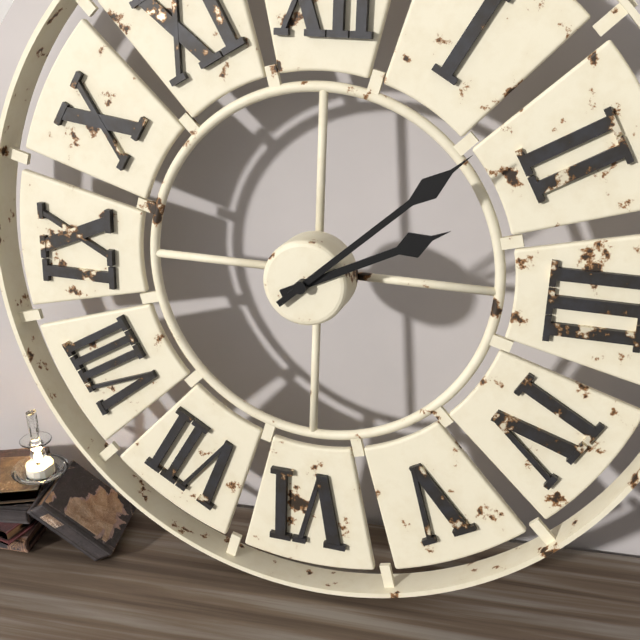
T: 2 h 08 min
